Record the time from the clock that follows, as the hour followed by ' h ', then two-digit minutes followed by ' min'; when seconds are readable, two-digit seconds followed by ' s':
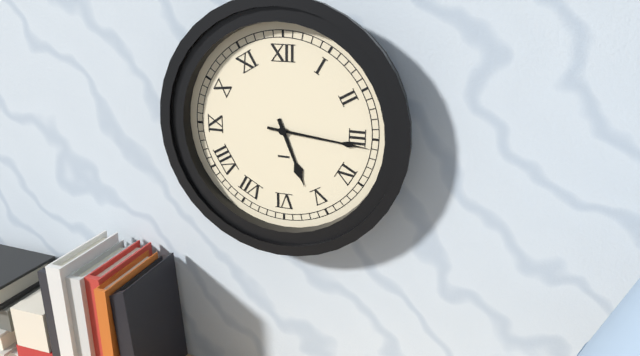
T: 5 h 16 min
